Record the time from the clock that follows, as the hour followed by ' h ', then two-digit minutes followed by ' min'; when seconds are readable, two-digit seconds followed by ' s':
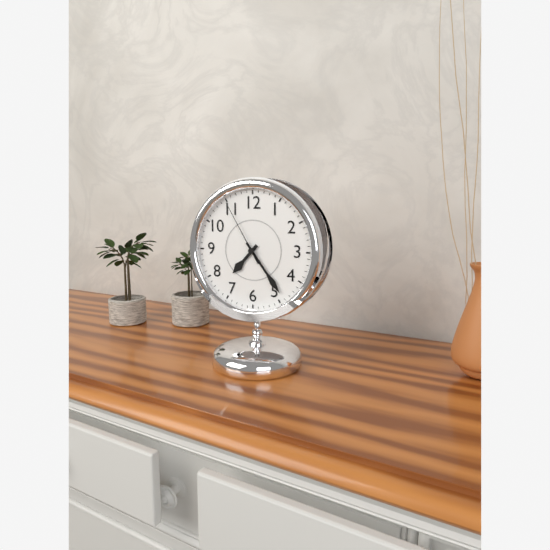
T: 7 h 24 min 55 s
